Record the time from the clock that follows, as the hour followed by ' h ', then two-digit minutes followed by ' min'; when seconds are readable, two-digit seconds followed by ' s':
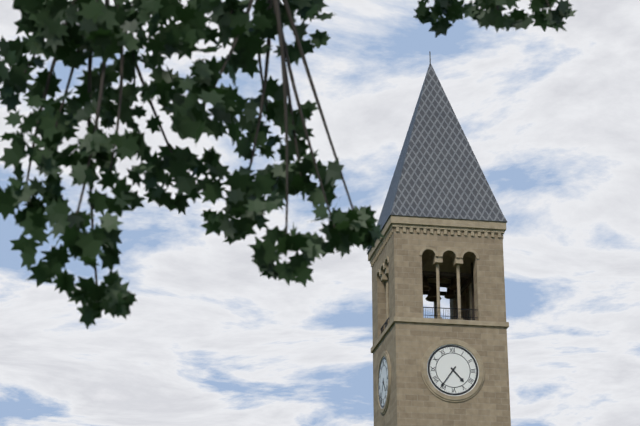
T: 4 h 36 min
